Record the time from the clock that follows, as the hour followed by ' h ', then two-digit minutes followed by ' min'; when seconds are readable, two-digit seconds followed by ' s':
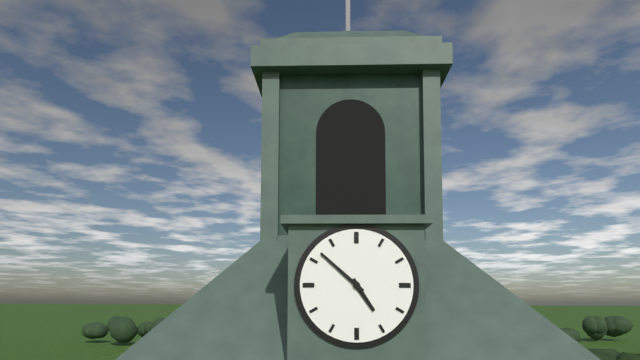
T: 4 h 52 min
